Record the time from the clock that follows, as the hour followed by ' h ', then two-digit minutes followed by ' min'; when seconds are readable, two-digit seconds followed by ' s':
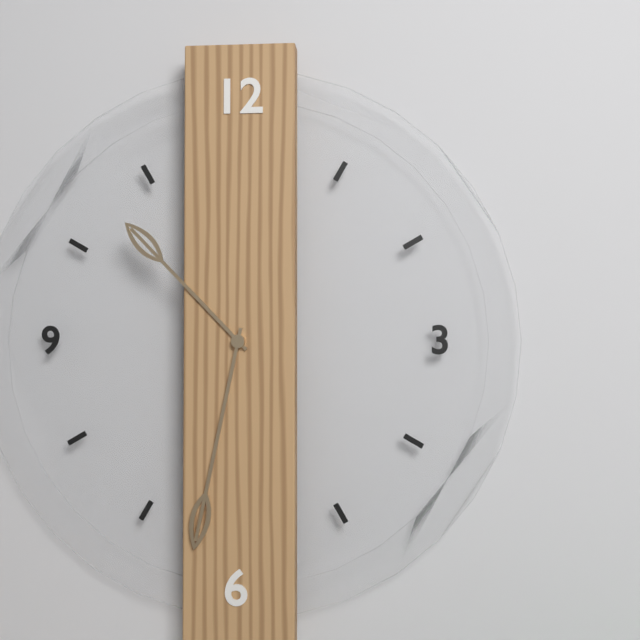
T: 10 h 32 min
